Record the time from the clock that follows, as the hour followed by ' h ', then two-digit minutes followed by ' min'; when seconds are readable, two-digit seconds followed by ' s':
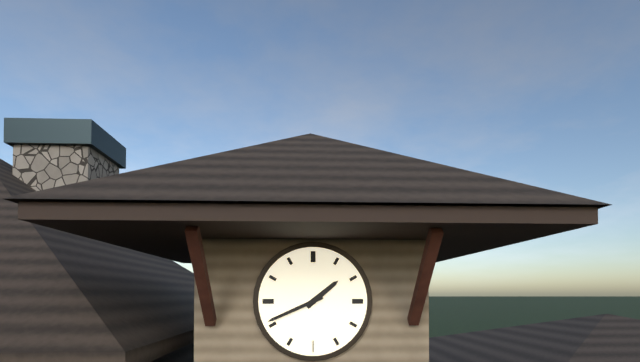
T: 1 h 41 min
